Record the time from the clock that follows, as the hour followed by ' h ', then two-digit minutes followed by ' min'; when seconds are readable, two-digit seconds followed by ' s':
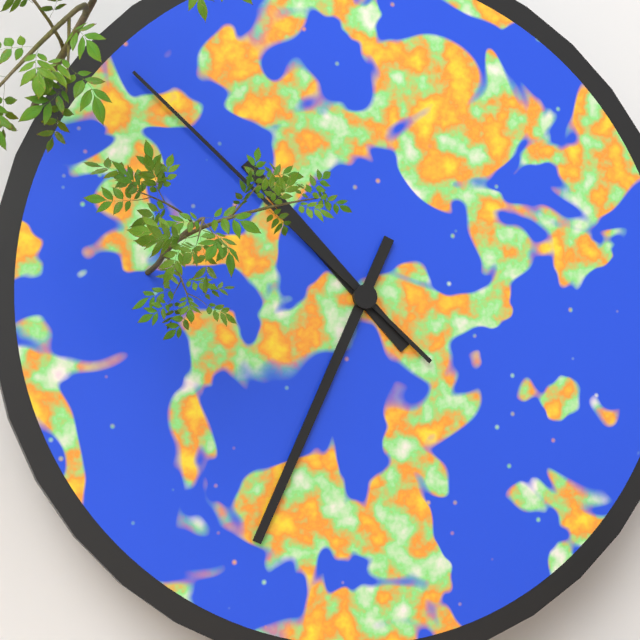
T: 10 h 34 min 52 s
